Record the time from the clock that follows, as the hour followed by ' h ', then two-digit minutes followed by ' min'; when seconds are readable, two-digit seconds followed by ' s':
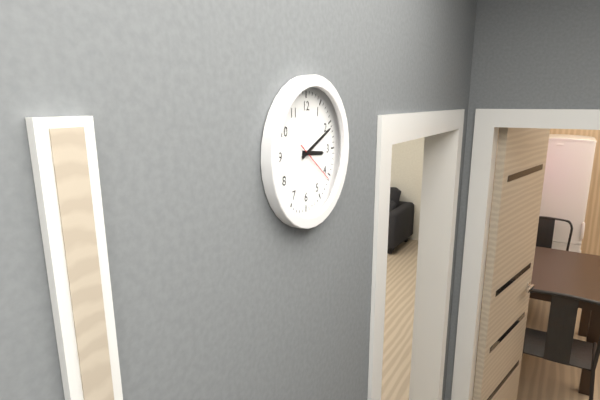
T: 3 h 11 min
